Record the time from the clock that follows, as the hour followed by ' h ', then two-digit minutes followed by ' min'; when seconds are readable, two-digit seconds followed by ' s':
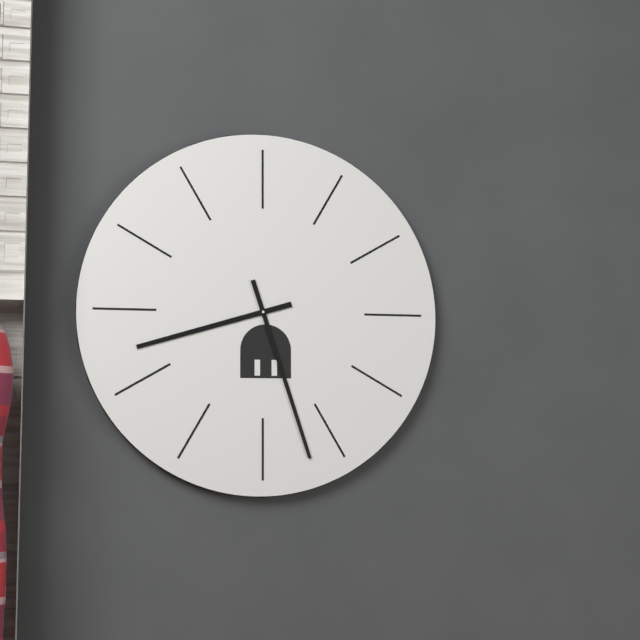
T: 8 h 27 min
